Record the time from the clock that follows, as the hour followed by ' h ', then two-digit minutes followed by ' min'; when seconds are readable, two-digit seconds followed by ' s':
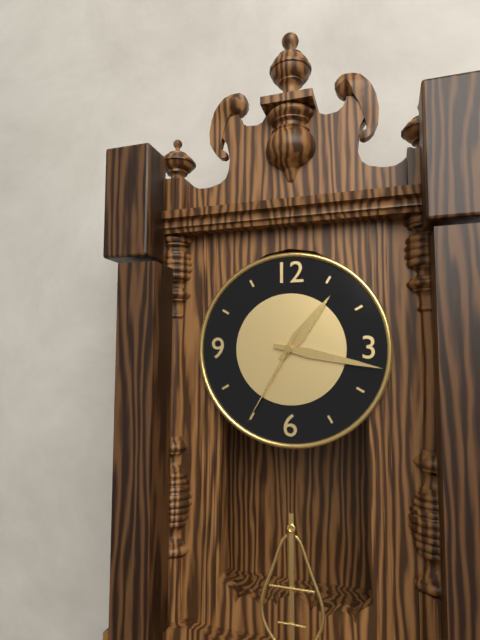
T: 1 h 17 min 35 s
